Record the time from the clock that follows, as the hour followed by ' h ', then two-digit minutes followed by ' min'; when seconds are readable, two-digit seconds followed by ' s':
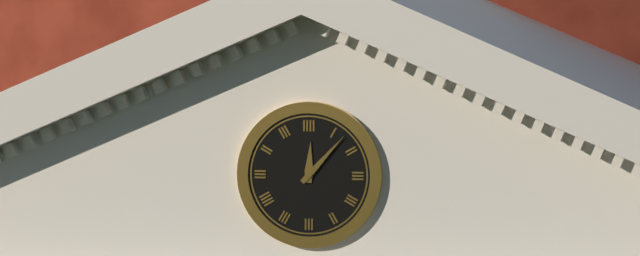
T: 12 h 07 min
